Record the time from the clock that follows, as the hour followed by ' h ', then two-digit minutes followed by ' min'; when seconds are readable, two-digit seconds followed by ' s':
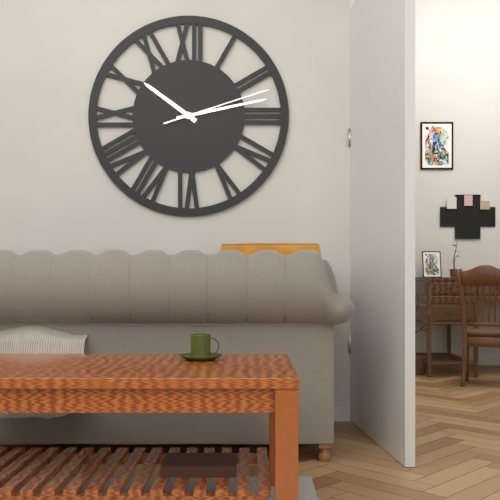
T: 10 h 13 min 12 s
